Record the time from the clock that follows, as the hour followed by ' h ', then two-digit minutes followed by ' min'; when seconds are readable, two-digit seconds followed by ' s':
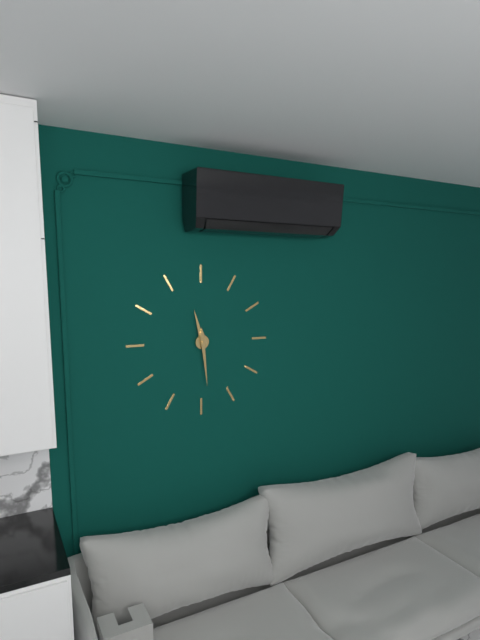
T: 11 h 29 min
